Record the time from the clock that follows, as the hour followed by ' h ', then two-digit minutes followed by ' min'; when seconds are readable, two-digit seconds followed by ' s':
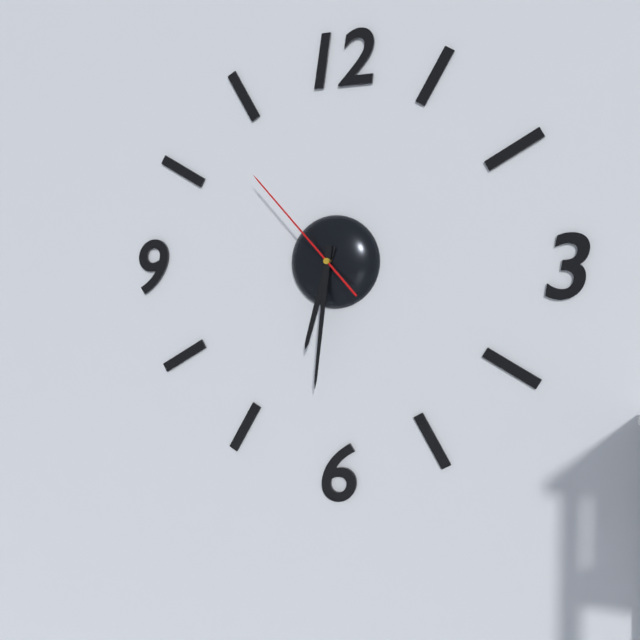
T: 6 h 31 min 53 s
